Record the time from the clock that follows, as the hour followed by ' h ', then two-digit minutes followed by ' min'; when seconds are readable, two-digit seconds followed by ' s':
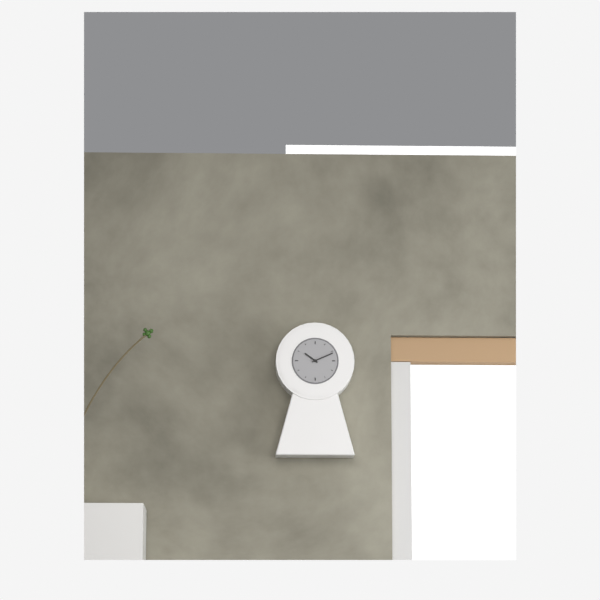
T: 10 h 11 min
